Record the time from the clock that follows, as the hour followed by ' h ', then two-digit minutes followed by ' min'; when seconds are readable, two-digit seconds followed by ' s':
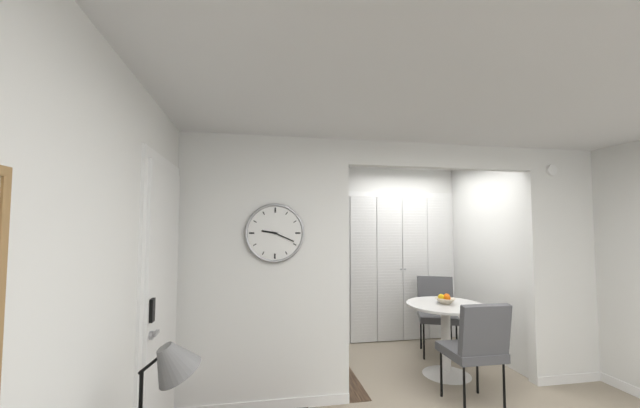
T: 9 h 19 min
